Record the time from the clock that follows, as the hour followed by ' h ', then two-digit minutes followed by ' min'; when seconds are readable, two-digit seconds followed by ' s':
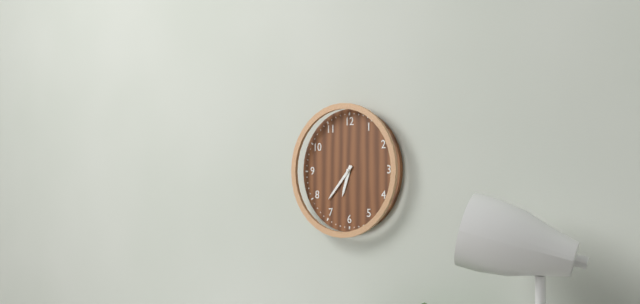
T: 6 h 37 min
